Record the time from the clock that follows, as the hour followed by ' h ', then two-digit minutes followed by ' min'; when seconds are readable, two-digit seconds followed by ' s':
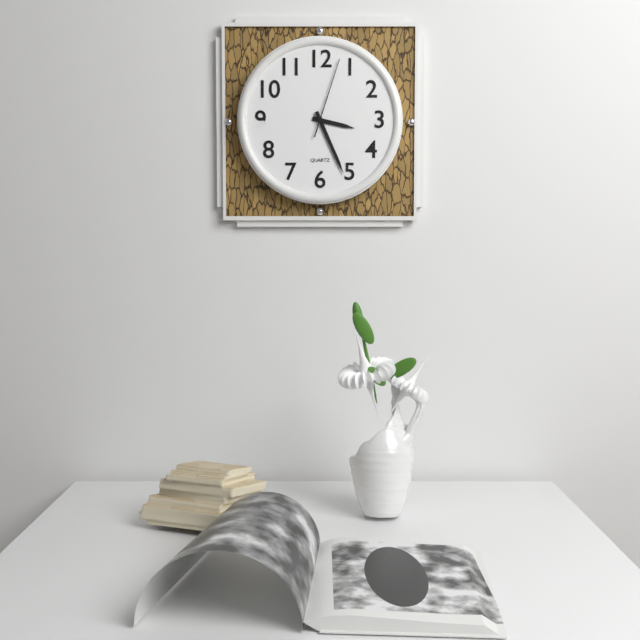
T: 3 h 26 min 03 s
